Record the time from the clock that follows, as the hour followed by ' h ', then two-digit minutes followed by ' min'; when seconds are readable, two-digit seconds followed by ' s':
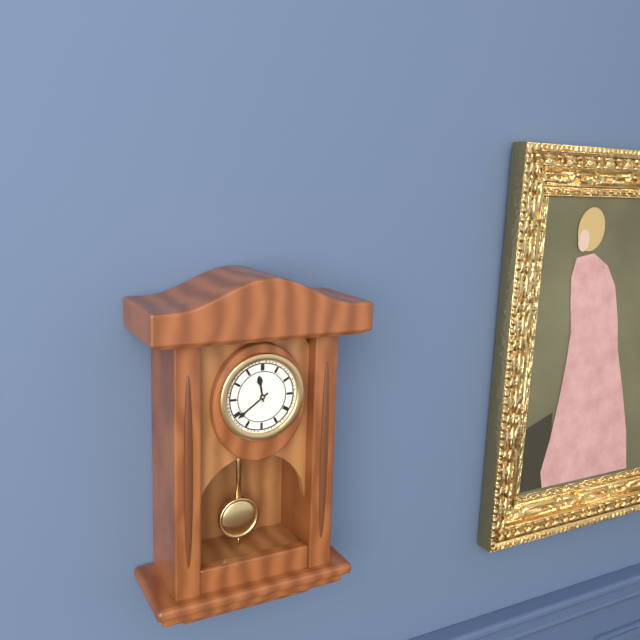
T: 11 h 39 min
